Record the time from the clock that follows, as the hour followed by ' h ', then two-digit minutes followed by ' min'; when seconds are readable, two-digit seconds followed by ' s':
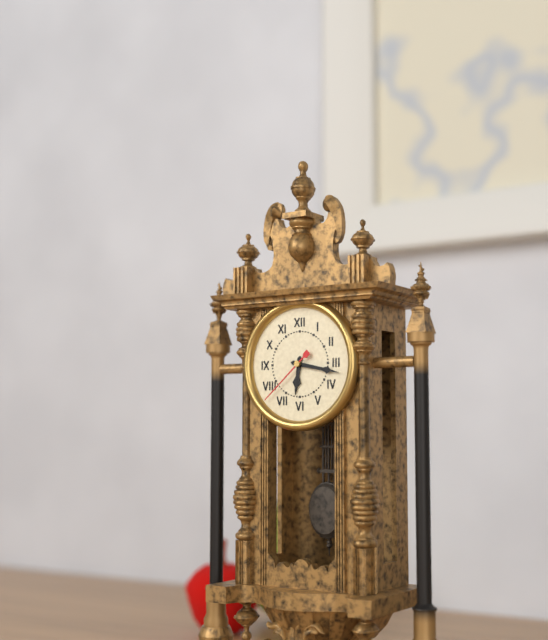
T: 6 h 17 min 38 s
